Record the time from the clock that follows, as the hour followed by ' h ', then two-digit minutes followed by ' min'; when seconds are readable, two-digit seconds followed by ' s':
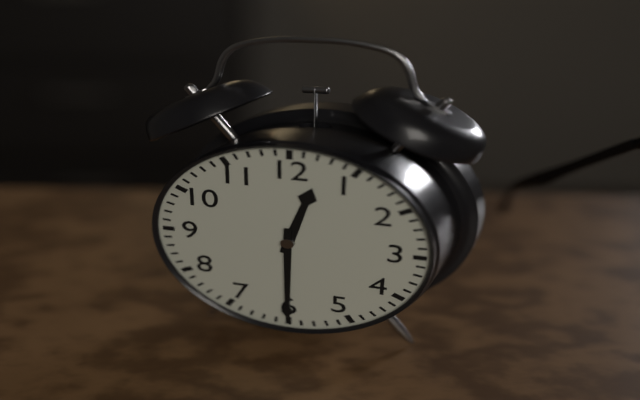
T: 12 h 30 min
